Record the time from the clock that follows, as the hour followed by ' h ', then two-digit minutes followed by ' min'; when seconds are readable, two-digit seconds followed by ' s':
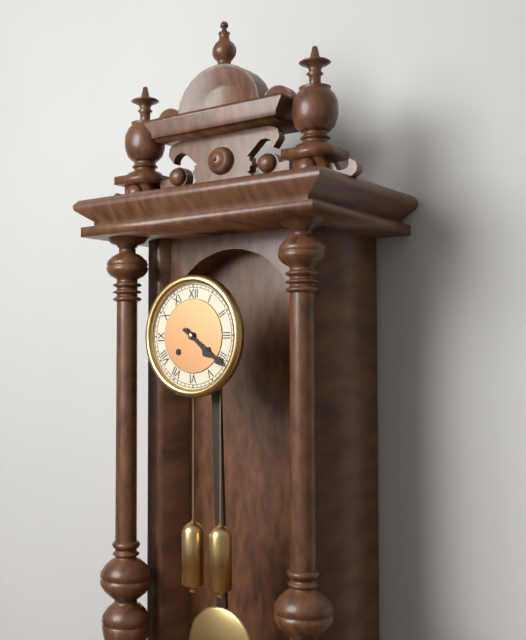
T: 4 h 21 min
